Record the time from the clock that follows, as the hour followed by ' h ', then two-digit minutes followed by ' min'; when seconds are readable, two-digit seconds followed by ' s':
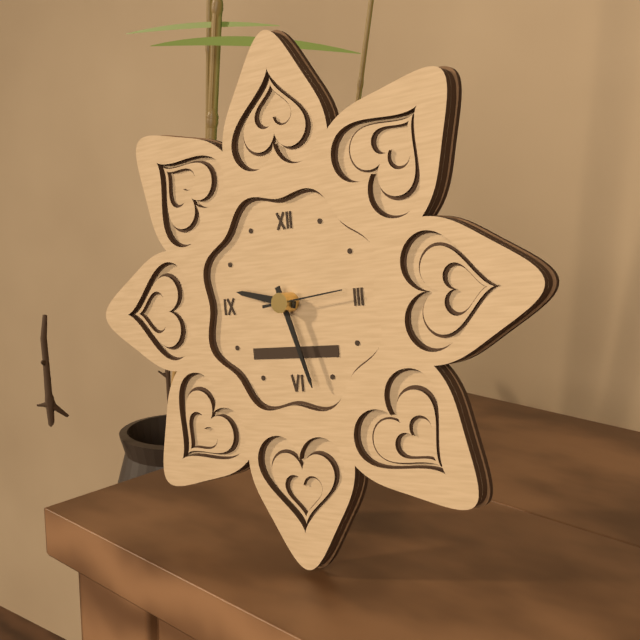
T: 9 h 27 min 14 s
